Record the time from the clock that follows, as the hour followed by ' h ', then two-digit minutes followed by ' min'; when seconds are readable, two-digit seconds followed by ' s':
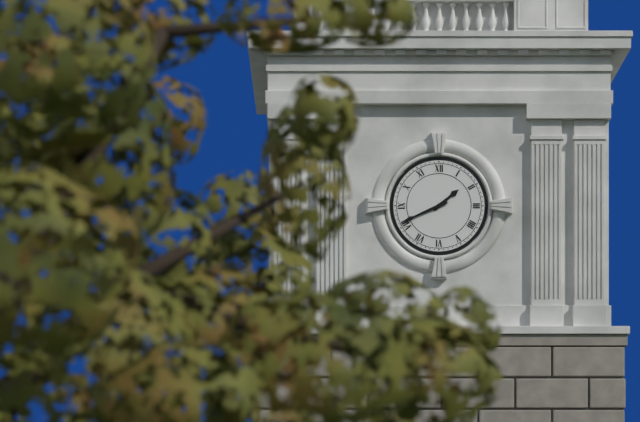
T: 1 h 41 min
